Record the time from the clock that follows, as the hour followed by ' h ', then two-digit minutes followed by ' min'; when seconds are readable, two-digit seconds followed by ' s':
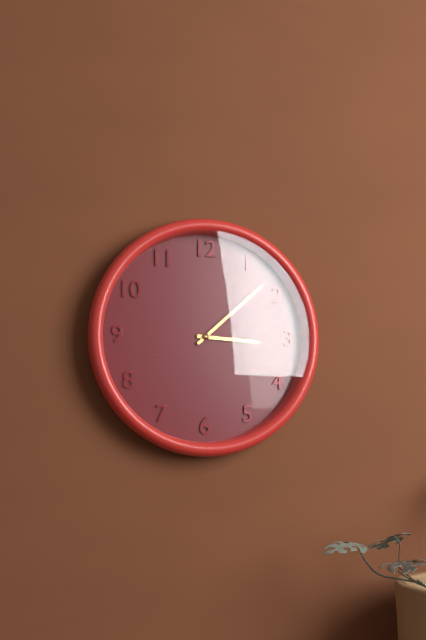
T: 3 h 08 min
